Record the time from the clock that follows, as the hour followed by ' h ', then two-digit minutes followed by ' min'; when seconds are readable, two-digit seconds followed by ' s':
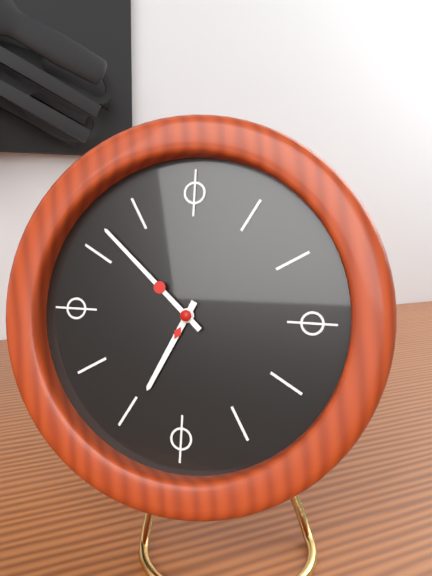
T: 6 h 52 min
